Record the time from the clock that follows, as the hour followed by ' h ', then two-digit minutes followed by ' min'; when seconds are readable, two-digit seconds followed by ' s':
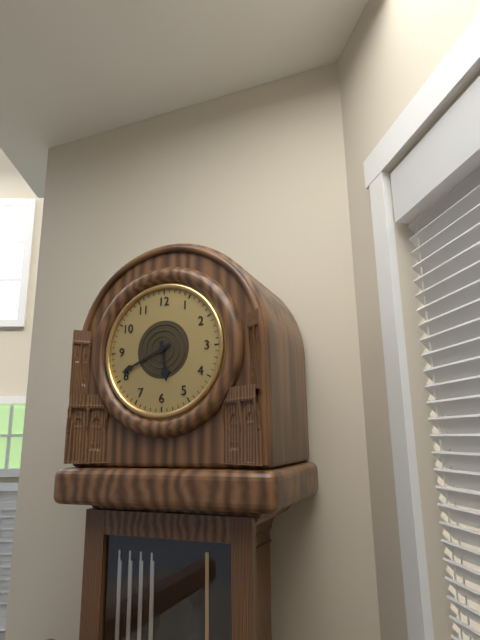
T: 5 h 41 min
